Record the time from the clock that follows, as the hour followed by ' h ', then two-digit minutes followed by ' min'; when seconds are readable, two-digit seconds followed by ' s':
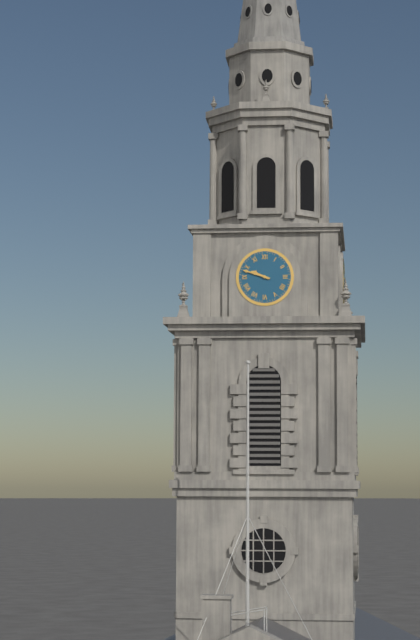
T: 9 h 48 min
